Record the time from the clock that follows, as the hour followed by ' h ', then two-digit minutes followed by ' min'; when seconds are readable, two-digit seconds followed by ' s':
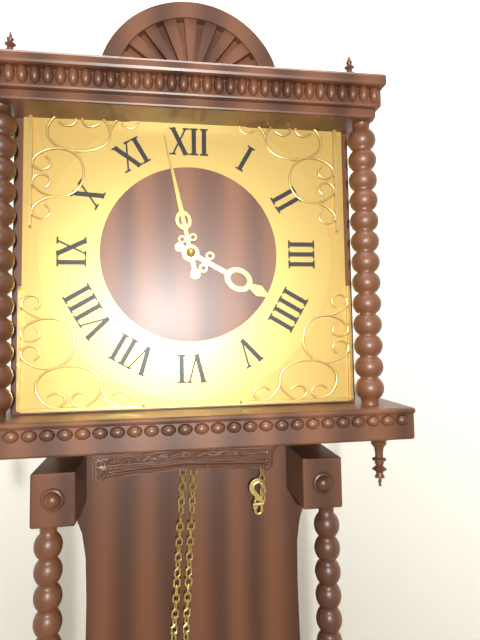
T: 3 h 58 min
